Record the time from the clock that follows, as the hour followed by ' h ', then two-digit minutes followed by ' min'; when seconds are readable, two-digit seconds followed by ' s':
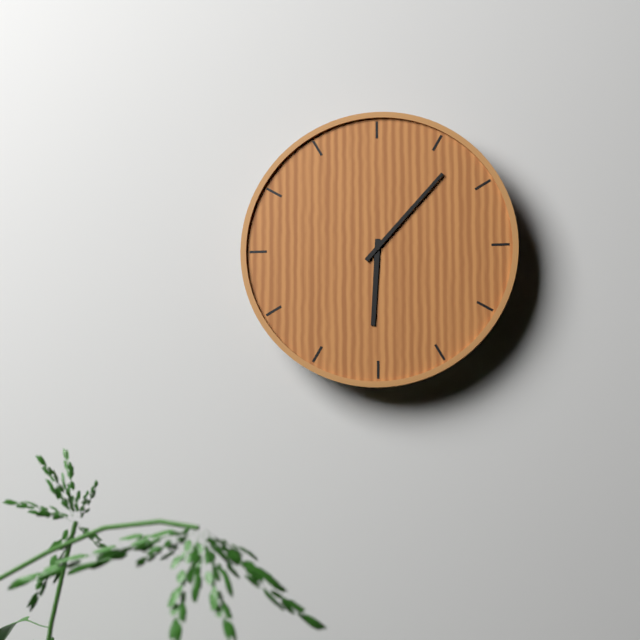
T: 6 h 07 min
